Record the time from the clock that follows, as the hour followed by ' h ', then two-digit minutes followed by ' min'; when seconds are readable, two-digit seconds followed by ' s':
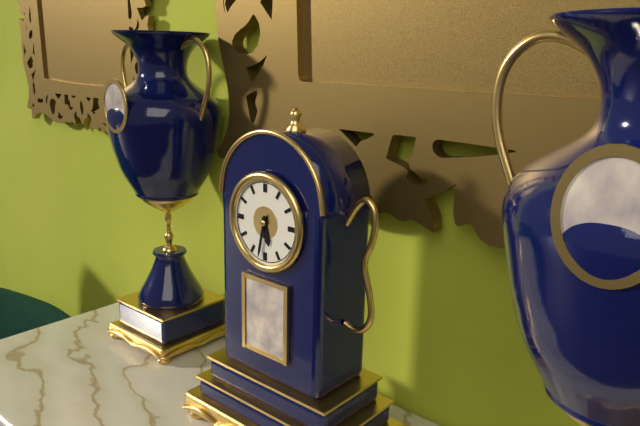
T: 5 h 32 min
